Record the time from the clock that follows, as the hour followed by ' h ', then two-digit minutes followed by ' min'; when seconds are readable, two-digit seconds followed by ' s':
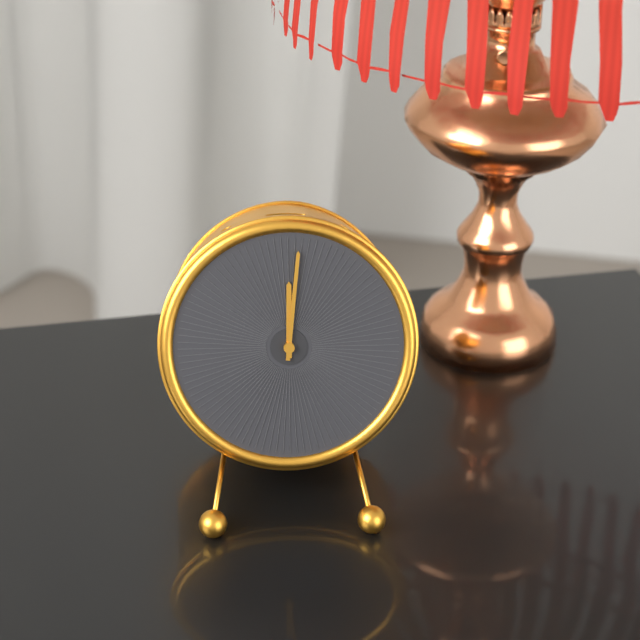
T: 12 h 01 min
